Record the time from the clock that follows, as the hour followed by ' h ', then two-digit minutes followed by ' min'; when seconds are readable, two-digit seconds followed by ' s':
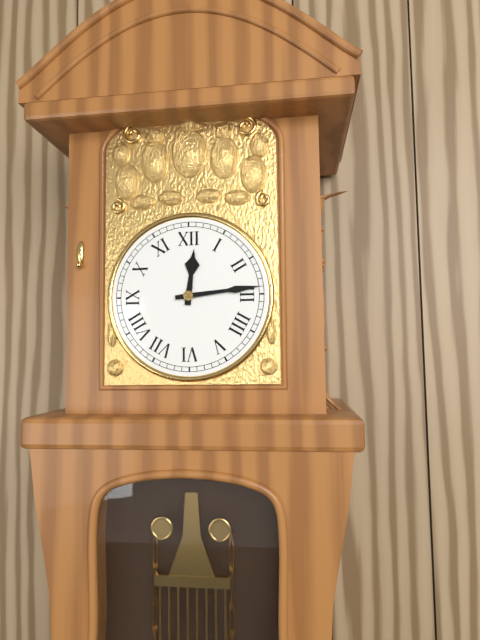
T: 12 h 14 min
